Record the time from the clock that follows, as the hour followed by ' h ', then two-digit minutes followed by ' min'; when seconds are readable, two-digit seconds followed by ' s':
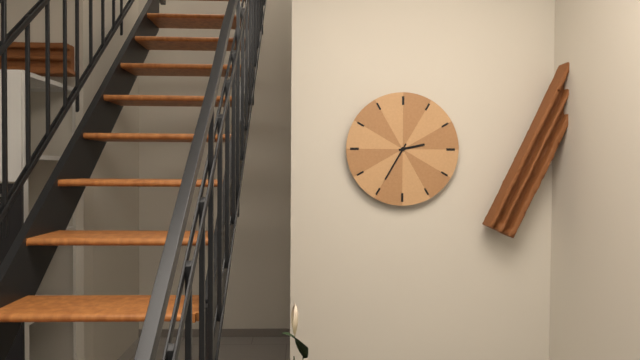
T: 2 h 35 min
